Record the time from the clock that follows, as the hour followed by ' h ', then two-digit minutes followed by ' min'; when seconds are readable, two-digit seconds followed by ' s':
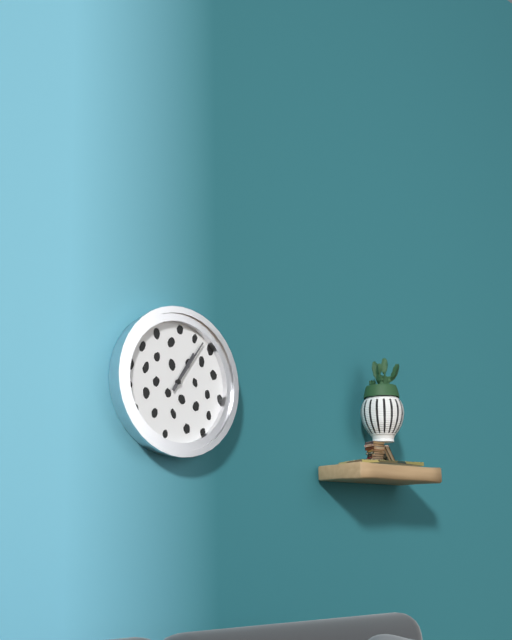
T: 1 h 06 min
